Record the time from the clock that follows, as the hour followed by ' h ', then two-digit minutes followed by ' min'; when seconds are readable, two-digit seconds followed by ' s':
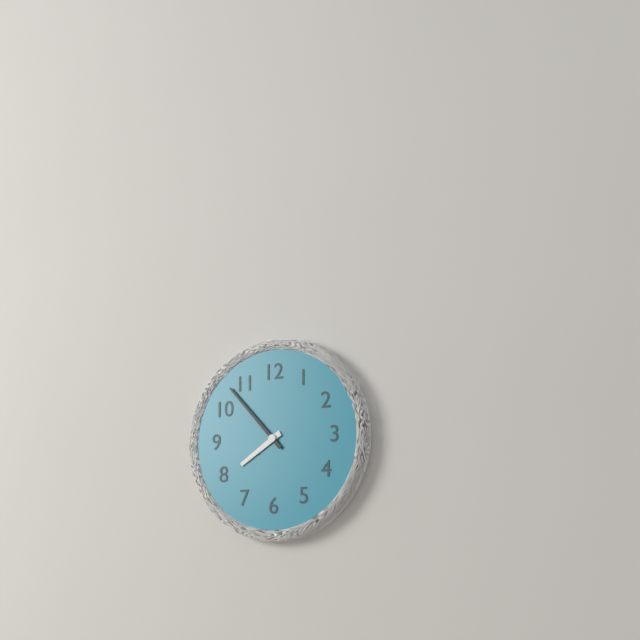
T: 7 h 53 min
